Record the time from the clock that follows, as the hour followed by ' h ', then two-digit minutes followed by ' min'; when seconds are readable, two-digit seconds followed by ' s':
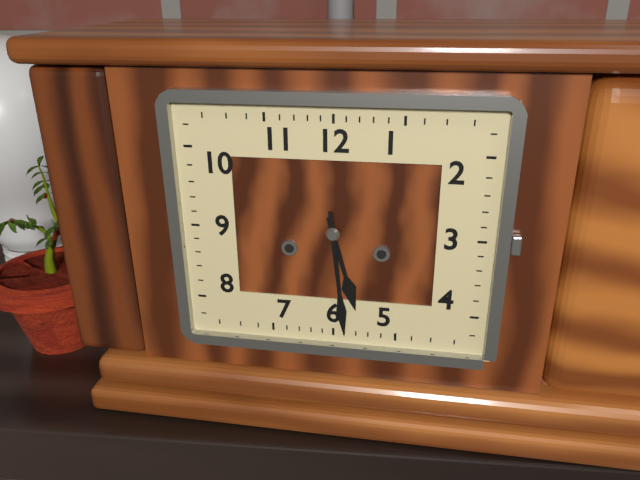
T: 5 h 29 min
